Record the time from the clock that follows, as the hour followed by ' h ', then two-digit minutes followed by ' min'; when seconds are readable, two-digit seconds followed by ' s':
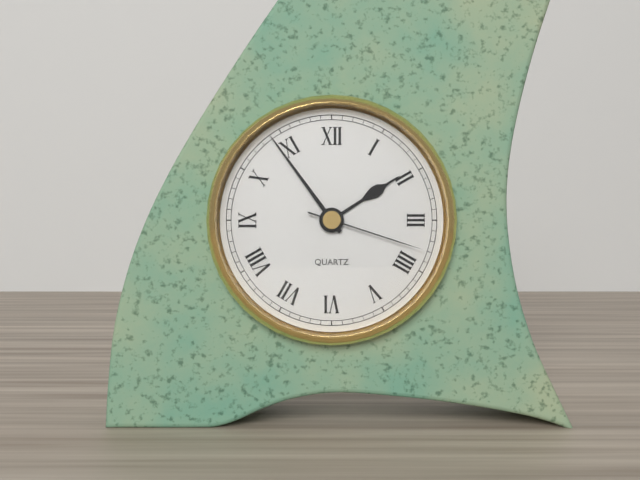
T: 1 h 54 min 18 s
